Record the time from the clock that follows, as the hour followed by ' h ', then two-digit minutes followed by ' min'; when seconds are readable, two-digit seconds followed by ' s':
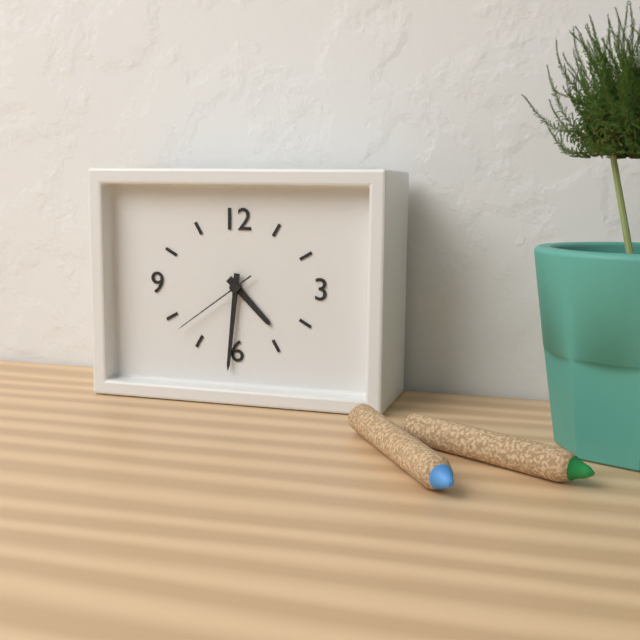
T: 4 h 31 min 39 s
